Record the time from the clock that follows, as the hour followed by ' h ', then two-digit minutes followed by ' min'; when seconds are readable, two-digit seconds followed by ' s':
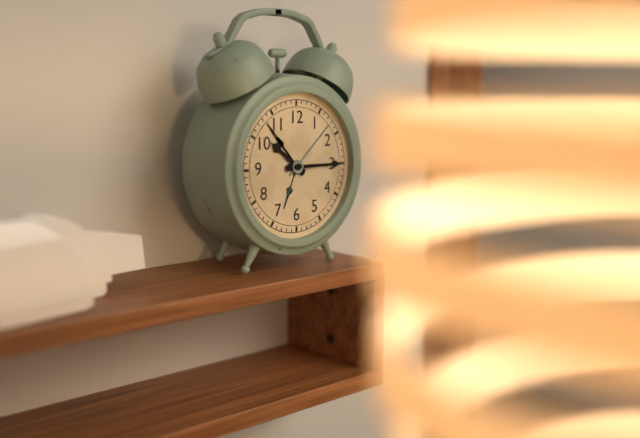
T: 10 h 15 min
